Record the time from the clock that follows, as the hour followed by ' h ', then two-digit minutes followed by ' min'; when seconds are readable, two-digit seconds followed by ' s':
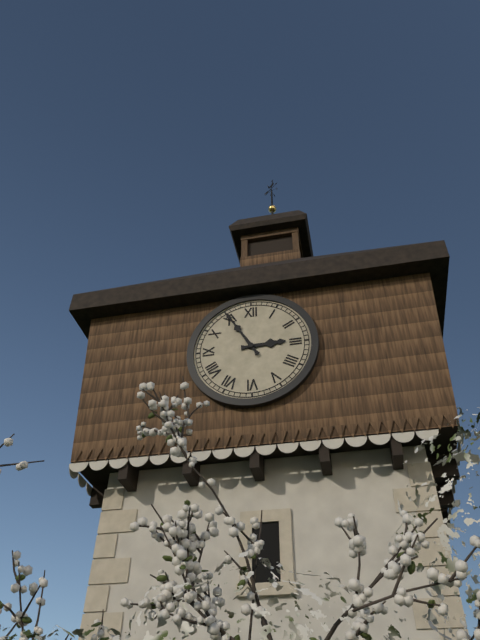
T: 2 h 55 min
